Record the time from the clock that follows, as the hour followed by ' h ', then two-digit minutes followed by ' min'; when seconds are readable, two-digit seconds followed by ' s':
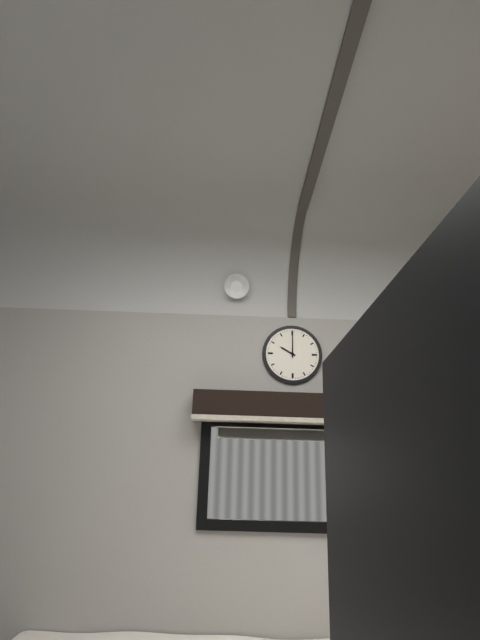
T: 10 h 00 min
